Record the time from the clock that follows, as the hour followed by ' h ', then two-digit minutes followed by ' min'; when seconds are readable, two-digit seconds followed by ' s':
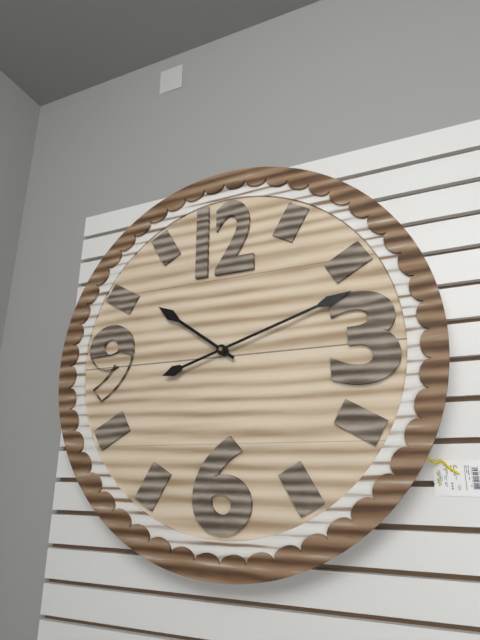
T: 10 h 12 min
